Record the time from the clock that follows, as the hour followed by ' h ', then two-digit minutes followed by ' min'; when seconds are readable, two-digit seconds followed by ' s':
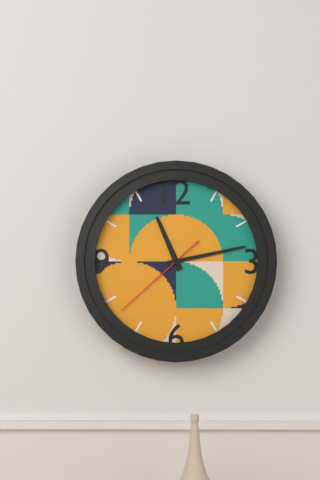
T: 11 h 13 min 38 s
